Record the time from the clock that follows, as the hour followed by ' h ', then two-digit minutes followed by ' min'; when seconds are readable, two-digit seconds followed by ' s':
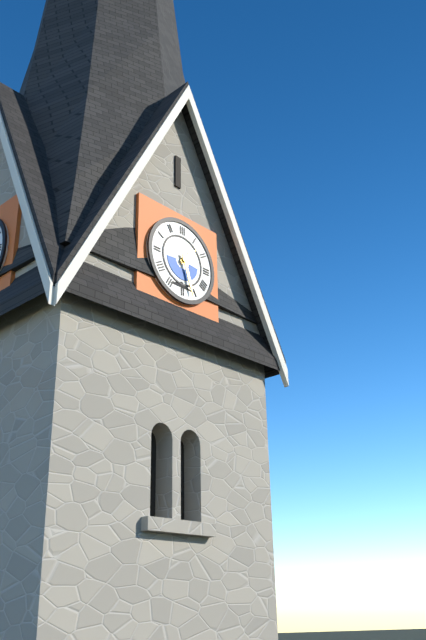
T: 1 h 27 min
